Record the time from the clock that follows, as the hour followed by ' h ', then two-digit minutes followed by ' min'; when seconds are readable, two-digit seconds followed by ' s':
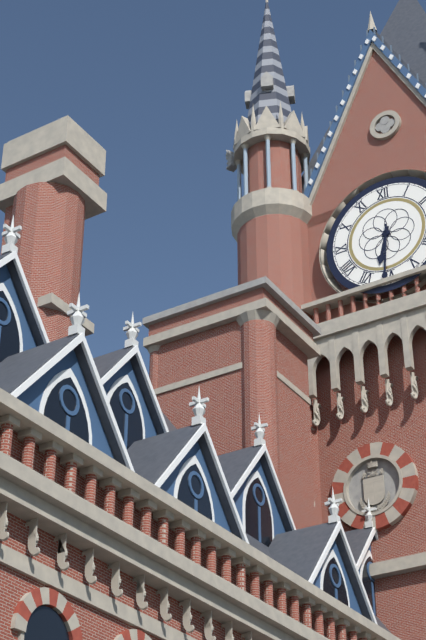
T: 6 h 31 min
